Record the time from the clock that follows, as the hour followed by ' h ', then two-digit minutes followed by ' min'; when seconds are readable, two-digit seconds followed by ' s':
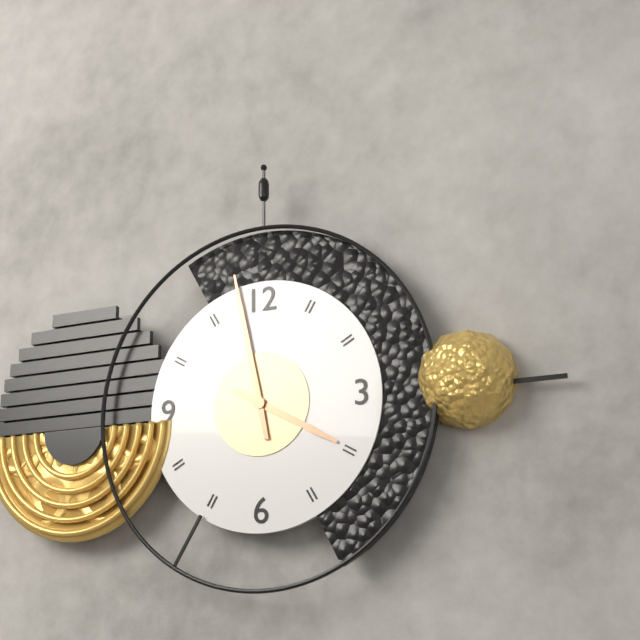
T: 3 h 58 min
